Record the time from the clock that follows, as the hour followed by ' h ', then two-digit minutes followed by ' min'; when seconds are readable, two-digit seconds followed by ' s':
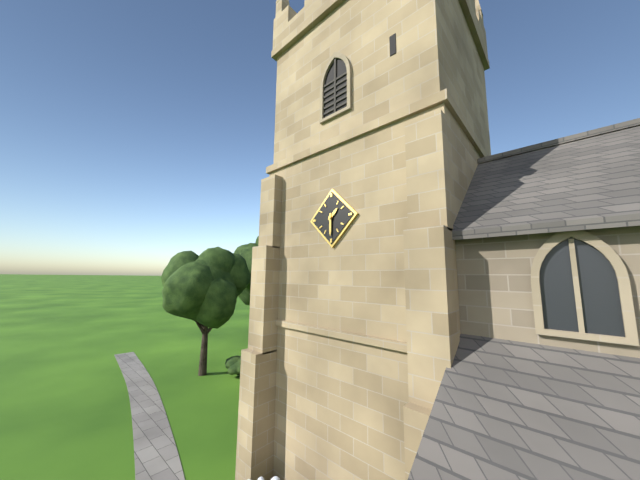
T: 1 h 30 min
